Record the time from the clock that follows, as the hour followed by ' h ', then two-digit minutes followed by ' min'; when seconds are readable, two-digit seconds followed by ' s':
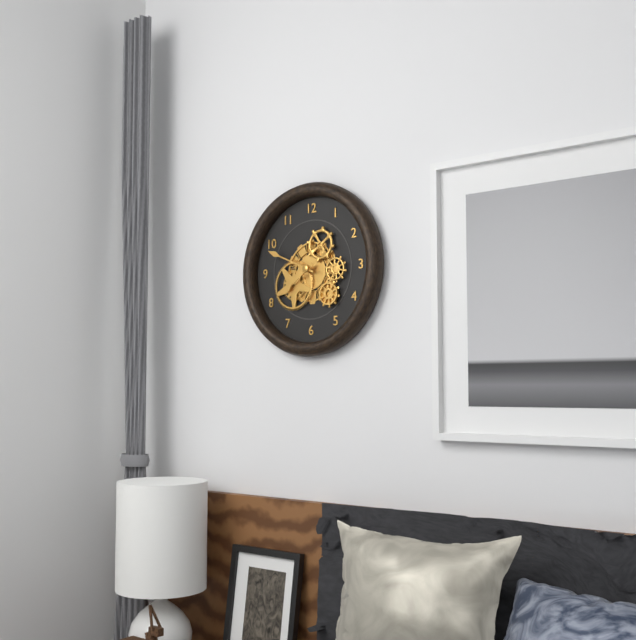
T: 7 h 49 min
